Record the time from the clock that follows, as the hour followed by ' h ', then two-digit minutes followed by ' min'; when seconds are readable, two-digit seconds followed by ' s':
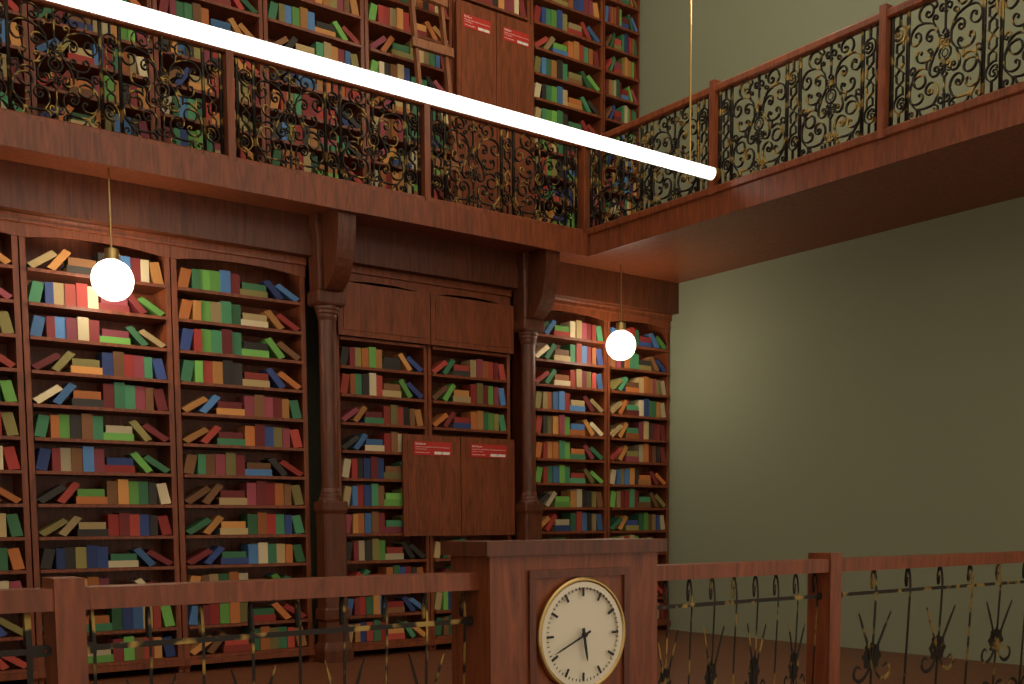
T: 5 h 41 min
